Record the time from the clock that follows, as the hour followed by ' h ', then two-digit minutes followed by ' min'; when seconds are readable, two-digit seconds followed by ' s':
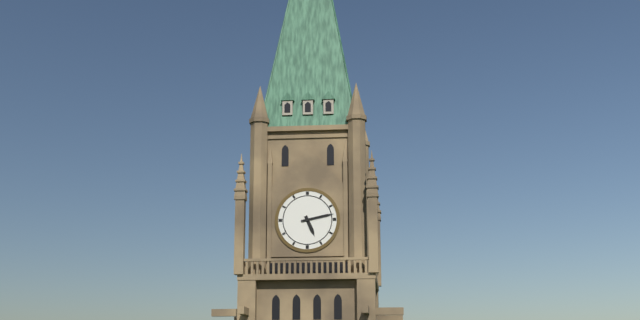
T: 5 h 13 min
